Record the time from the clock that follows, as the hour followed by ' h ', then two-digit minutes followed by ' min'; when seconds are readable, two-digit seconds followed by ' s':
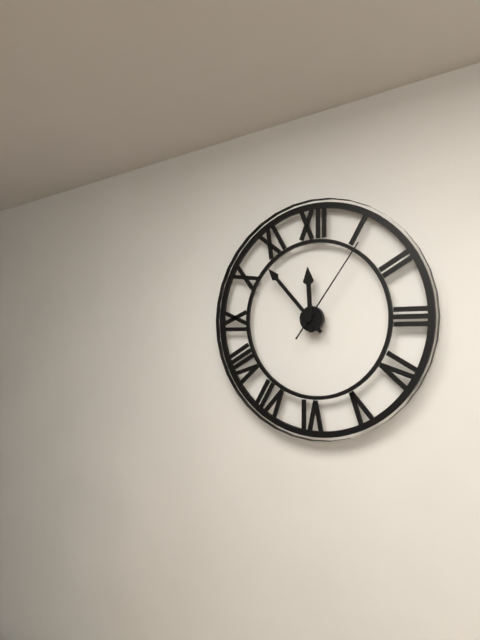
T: 11 h 53 min 06 s
